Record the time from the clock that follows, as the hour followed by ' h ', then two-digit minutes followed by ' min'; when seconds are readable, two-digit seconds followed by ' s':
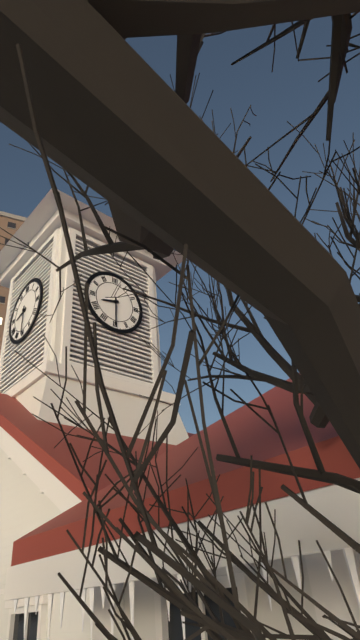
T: 8 h 30 min
